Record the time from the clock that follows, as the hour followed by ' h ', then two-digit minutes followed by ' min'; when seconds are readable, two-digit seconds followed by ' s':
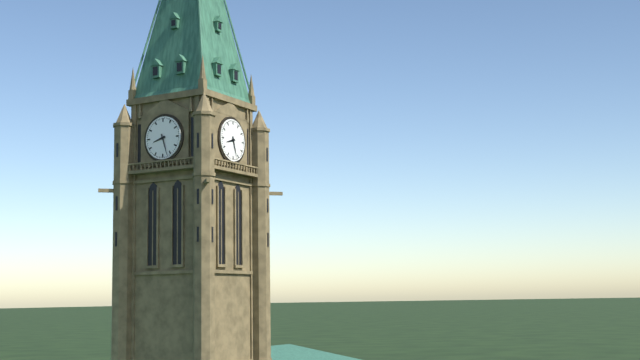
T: 8 h 27 min
